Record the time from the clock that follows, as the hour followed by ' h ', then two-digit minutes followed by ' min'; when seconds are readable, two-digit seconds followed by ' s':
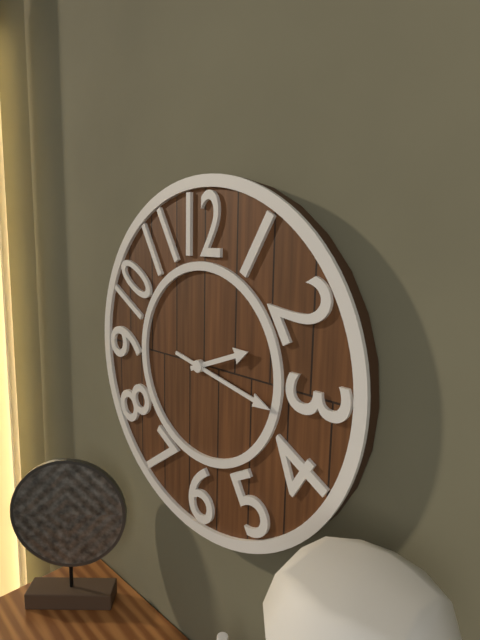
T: 2 h 17 min
